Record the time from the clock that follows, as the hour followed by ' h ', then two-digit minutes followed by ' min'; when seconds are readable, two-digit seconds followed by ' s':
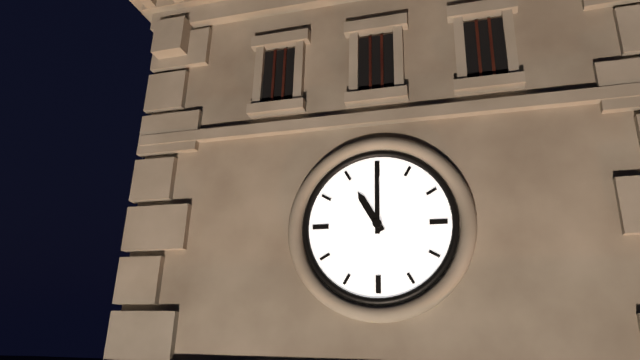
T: 11 h 00 min
